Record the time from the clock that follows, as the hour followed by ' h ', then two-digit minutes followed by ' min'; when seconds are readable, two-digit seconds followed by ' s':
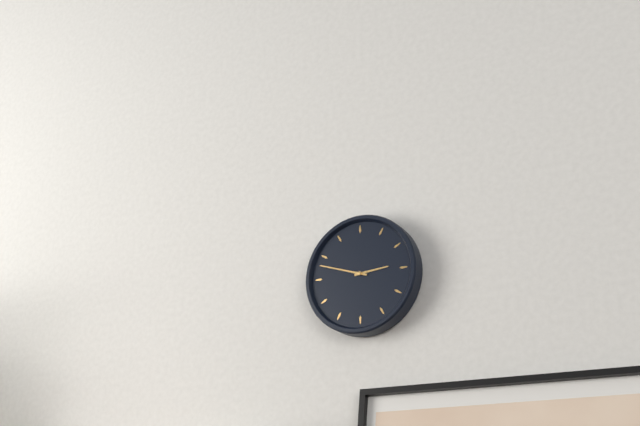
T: 2 h 48 min
